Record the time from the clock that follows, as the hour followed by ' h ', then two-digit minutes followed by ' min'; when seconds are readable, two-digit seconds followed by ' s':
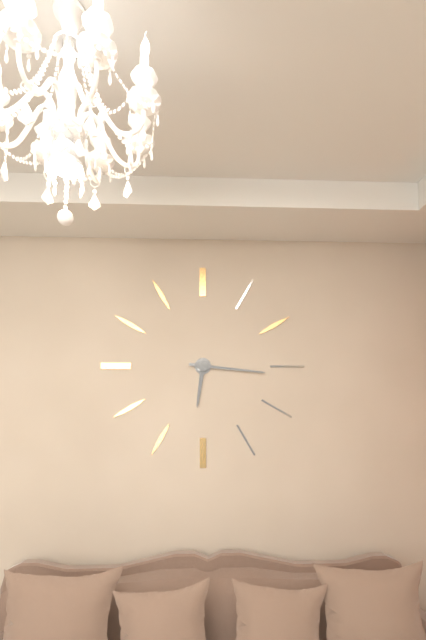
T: 6 h 16 min
